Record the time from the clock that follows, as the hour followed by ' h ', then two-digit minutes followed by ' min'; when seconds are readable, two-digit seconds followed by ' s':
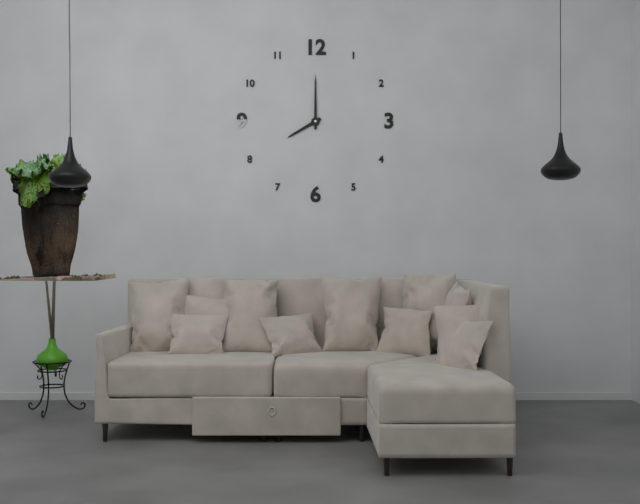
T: 8 h 00 min
